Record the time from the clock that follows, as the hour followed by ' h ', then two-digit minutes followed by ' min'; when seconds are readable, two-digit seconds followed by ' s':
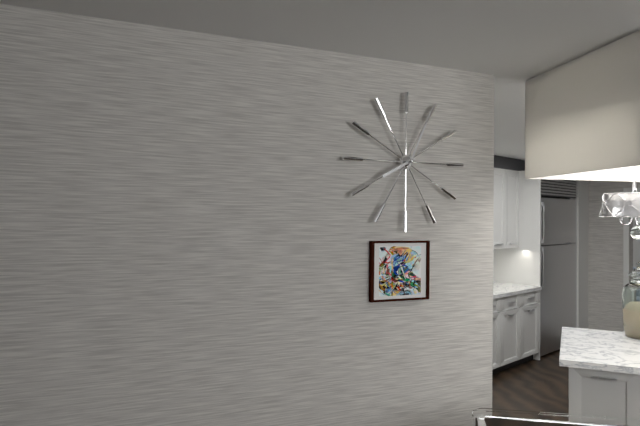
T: 8 h 04 min
